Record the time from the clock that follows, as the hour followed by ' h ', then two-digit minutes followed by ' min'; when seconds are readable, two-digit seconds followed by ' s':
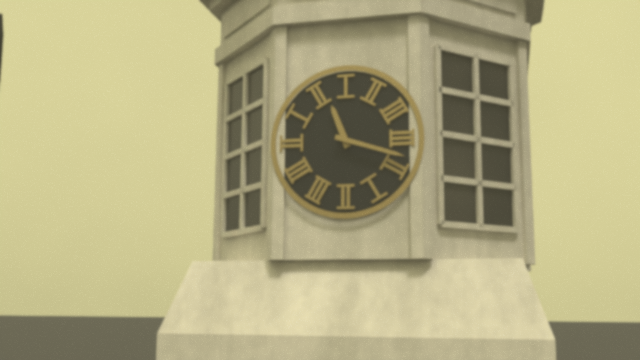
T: 11 h 18 min
